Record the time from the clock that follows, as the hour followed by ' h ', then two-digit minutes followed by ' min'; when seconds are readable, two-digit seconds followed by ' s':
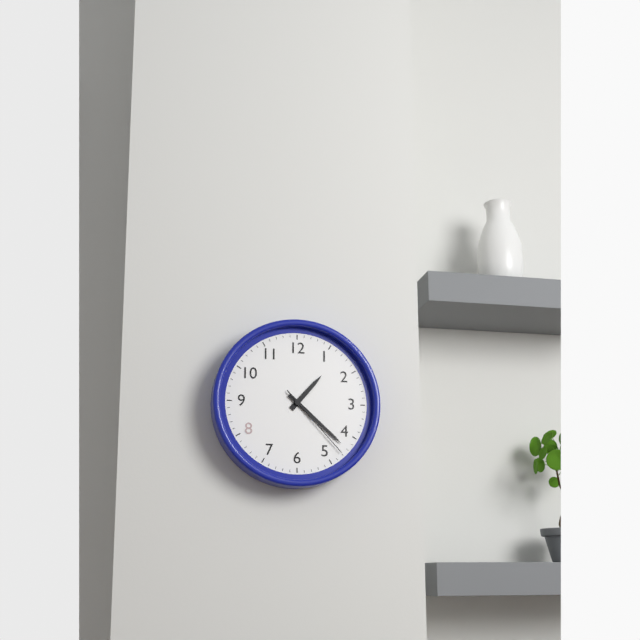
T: 1 h 22 min 23 s
